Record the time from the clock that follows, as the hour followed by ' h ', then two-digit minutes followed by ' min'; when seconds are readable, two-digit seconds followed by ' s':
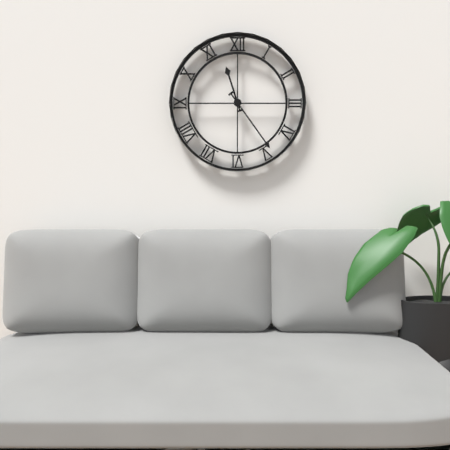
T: 11 h 24 min
